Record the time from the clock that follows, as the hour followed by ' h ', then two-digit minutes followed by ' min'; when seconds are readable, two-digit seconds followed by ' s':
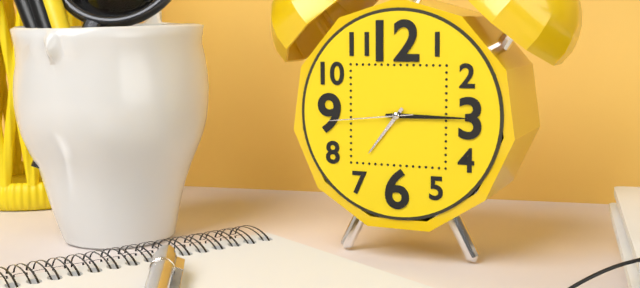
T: 7 h 15 min 44 s
